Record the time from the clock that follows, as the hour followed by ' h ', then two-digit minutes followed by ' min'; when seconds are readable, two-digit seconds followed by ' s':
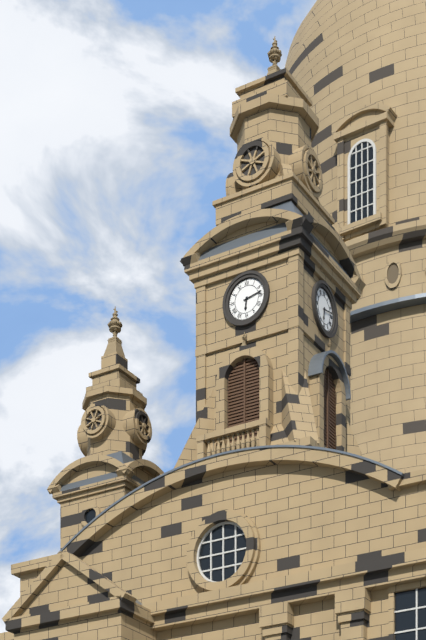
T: 6 h 13 min
